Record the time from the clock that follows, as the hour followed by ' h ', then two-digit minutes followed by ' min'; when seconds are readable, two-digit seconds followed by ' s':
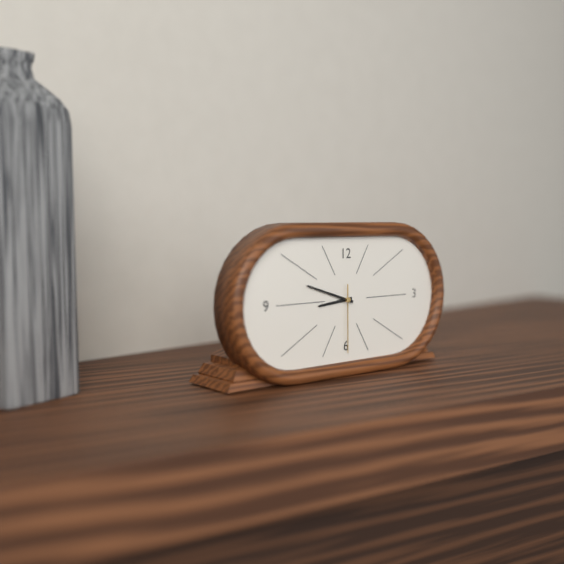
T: 8 h 48 min 30 s
